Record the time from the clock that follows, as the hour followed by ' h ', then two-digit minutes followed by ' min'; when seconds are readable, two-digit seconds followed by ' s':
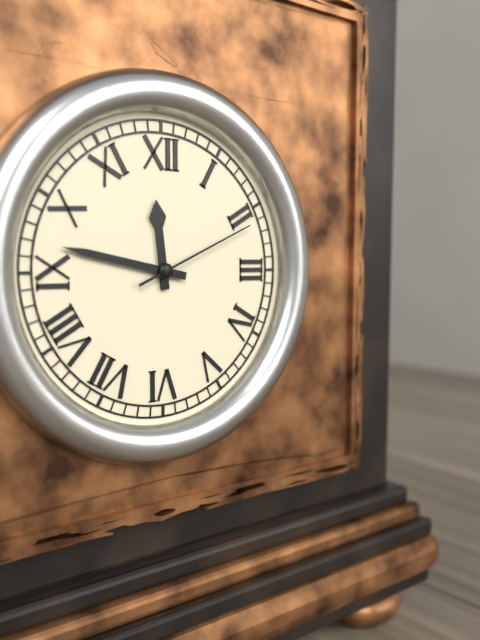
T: 11 h 47 min 11 s
